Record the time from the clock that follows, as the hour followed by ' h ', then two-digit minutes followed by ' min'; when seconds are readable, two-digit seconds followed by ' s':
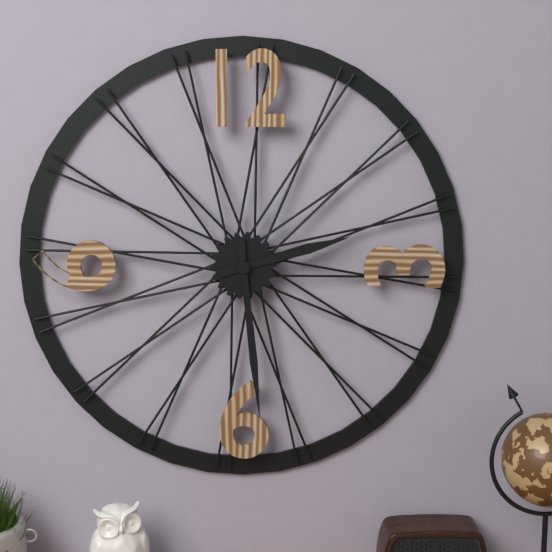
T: 2 h 29 min
